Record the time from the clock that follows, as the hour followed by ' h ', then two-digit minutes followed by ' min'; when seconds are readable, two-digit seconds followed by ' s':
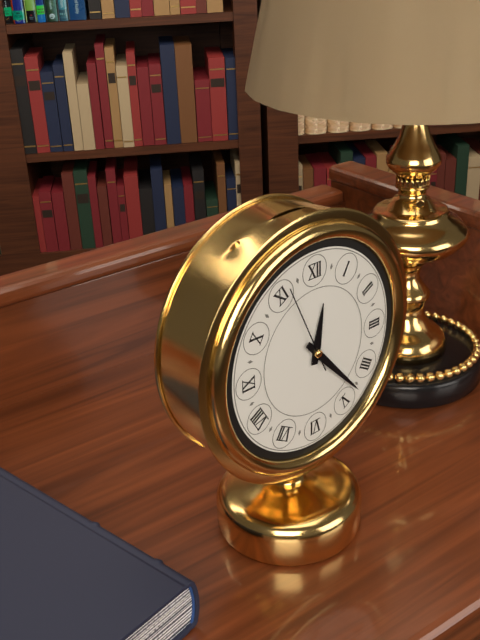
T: 12 h 23 min 56 s
